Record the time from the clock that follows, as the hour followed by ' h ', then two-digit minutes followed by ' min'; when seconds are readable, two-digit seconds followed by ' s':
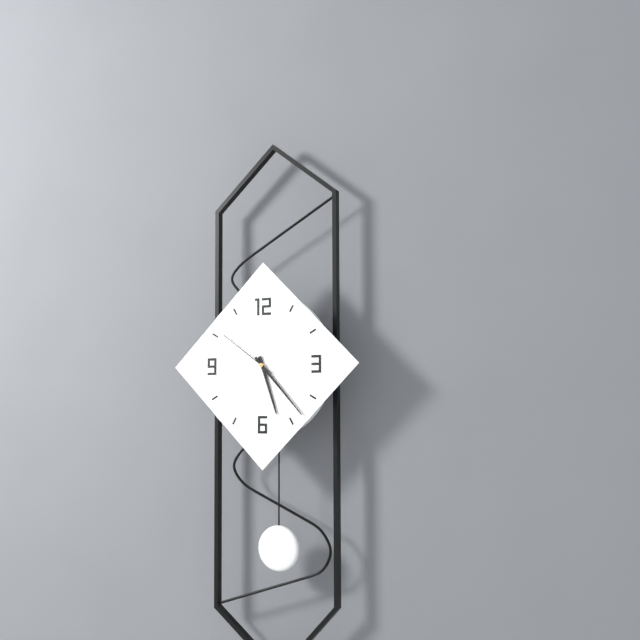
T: 5 h 23 min 51 s
